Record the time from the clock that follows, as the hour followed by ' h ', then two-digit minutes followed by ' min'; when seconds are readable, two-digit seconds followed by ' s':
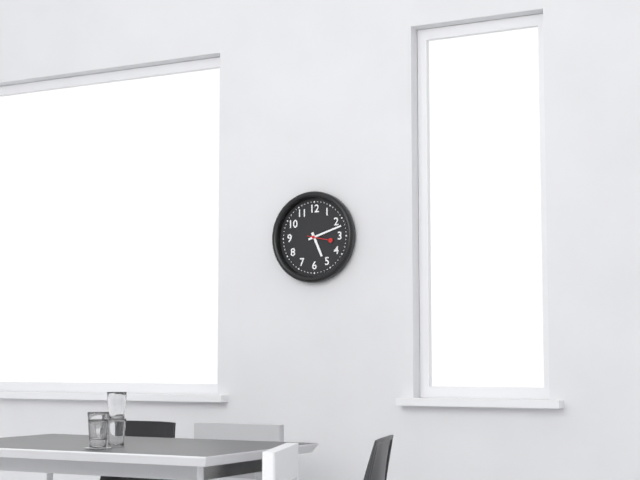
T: 5 h 12 min
